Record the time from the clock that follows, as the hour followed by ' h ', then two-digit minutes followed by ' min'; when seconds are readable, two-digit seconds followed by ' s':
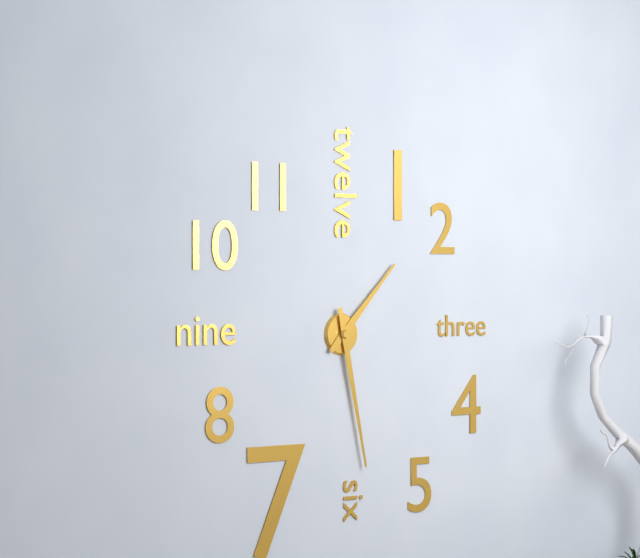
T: 1 h 28 min
